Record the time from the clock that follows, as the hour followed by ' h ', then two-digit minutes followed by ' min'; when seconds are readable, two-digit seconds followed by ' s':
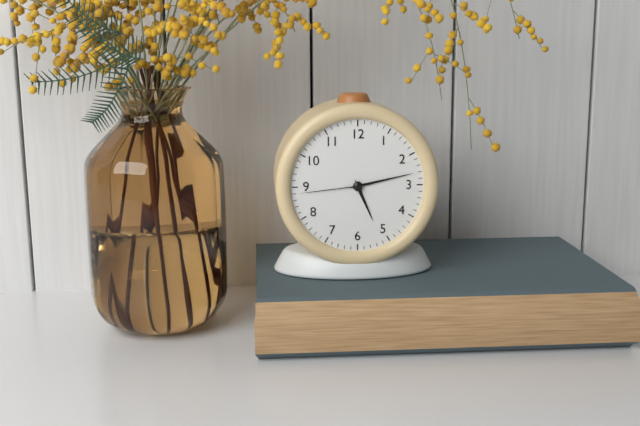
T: 5 h 13 min 44 s
